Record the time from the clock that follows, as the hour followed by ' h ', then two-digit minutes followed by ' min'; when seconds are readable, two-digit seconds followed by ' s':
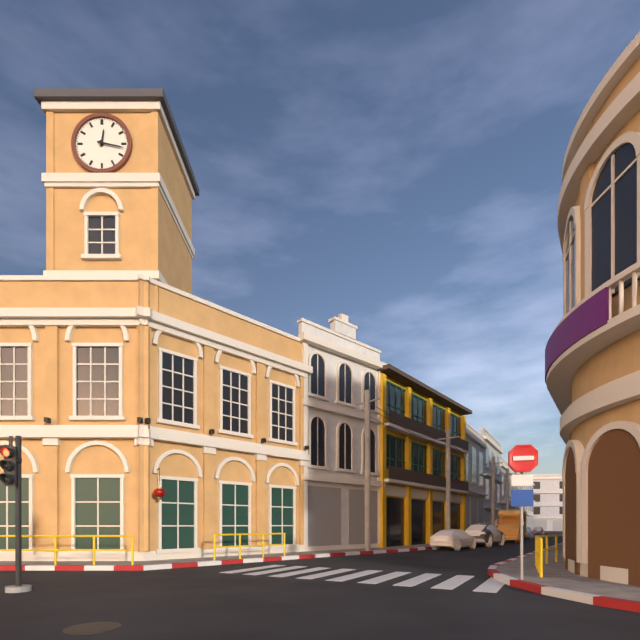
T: 12 h 17 min
